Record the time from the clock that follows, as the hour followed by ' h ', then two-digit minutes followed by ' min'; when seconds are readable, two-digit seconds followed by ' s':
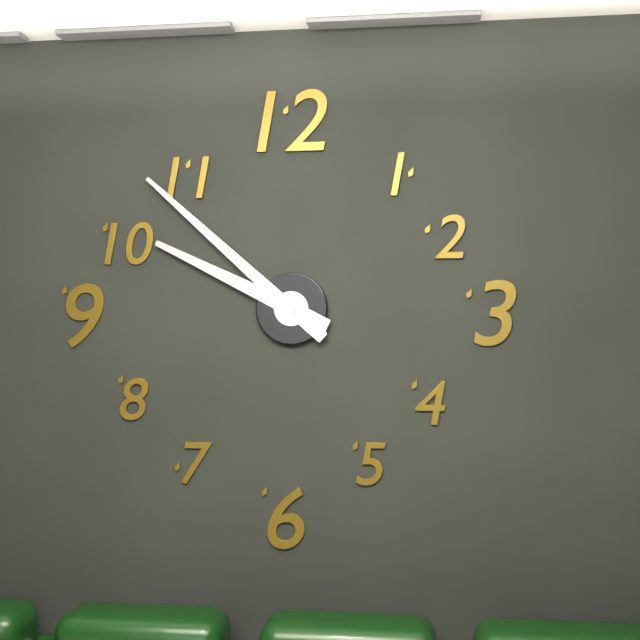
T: 9 h 52 min
